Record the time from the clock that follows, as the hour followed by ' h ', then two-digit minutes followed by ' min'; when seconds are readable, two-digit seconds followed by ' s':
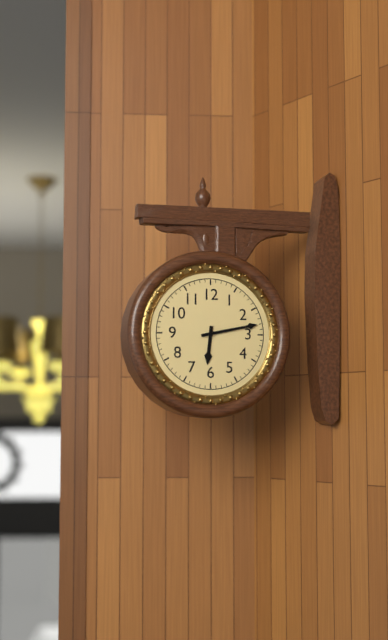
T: 6 h 13 min
